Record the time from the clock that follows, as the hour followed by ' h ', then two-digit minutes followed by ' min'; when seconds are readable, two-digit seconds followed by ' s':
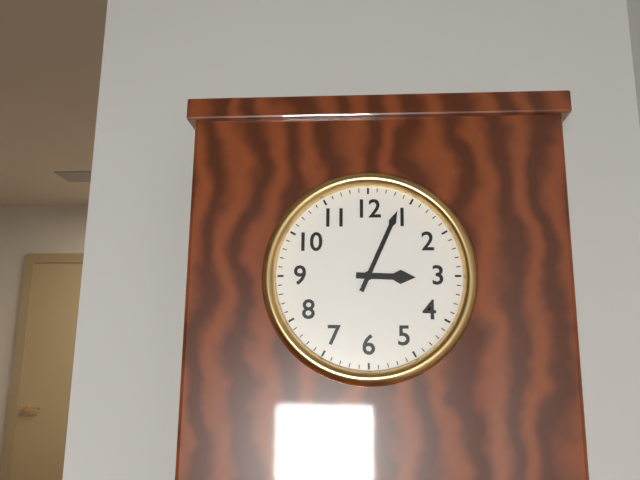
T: 3 h 04 min
